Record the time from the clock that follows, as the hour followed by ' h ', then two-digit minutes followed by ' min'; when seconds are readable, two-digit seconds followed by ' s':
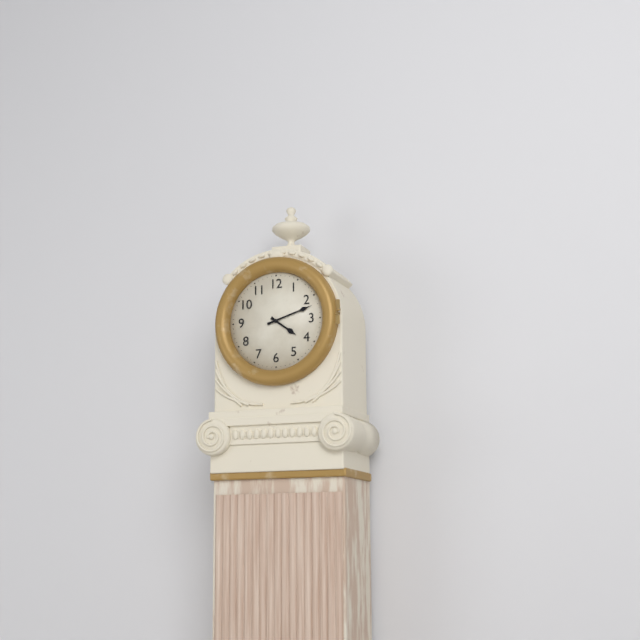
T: 4 h 12 min
